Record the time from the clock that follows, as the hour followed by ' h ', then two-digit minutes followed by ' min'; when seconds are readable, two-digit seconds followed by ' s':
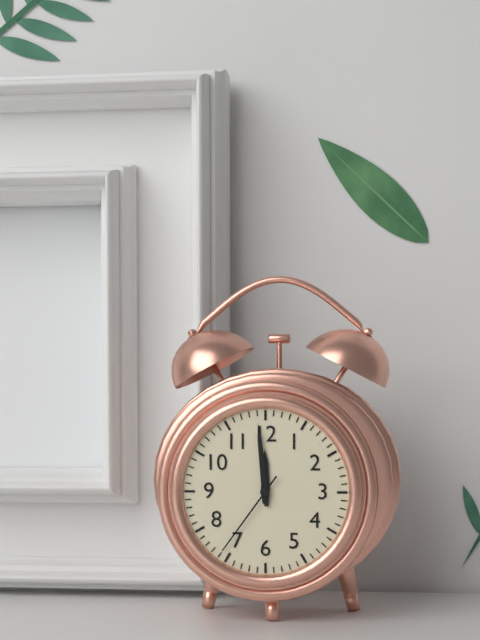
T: 11 h 59 min 36 s
